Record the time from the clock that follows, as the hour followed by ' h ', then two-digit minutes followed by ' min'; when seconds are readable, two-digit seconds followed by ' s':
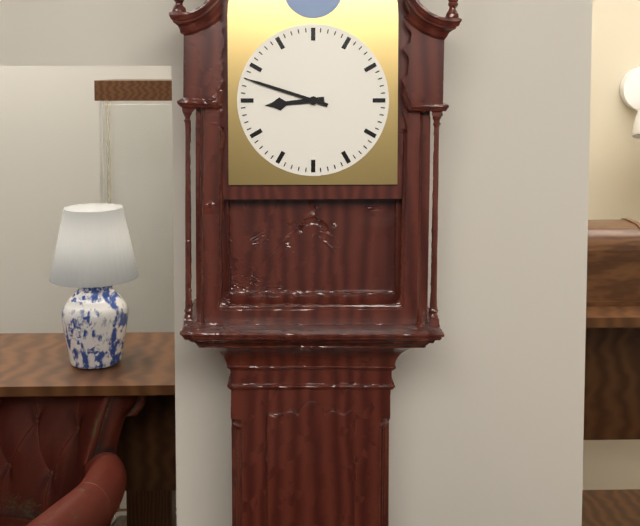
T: 8 h 48 min
